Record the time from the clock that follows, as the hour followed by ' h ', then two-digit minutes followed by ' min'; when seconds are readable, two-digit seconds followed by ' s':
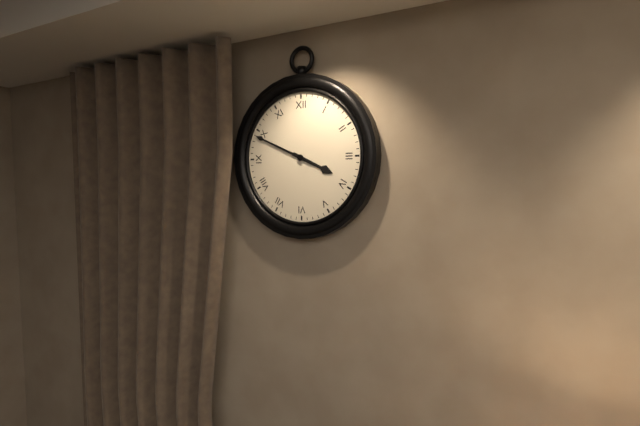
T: 3 h 49 min
